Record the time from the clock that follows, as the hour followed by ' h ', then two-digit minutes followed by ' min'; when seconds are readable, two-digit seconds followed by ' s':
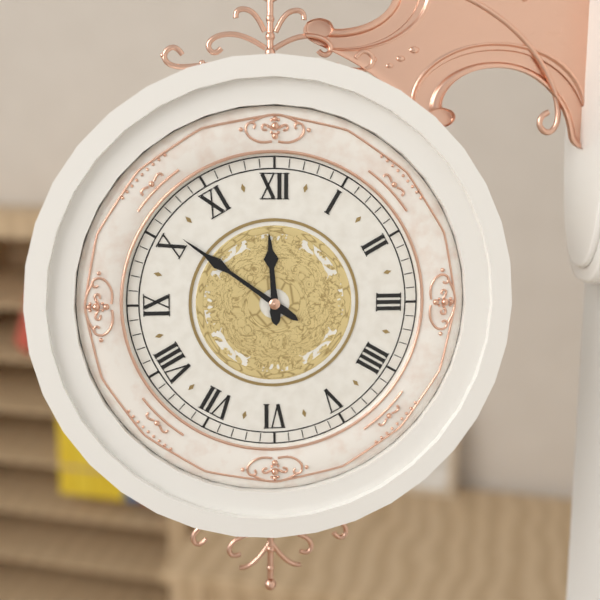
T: 11 h 51 min
